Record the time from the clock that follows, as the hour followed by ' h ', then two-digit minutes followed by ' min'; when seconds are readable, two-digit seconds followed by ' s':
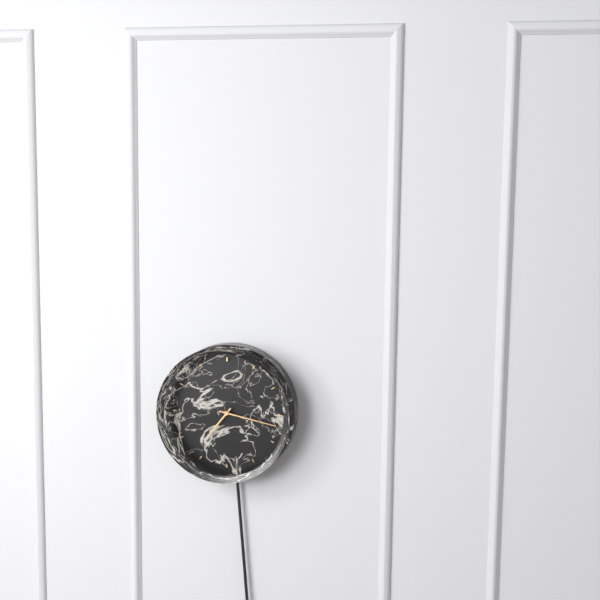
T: 7 h 17 min
